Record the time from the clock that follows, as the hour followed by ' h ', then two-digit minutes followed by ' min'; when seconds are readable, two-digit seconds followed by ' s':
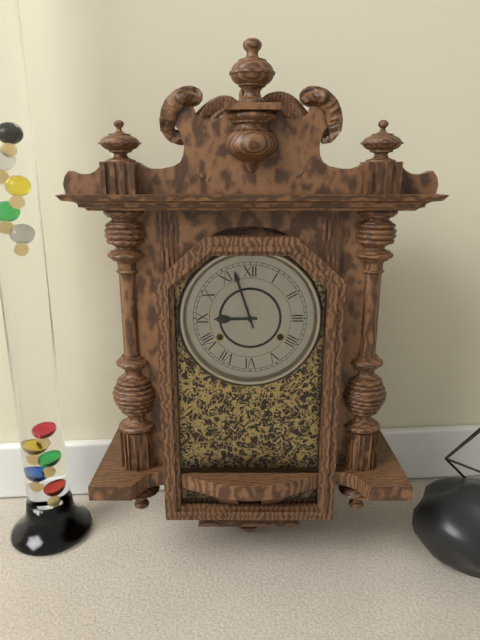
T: 8 h 57 min
